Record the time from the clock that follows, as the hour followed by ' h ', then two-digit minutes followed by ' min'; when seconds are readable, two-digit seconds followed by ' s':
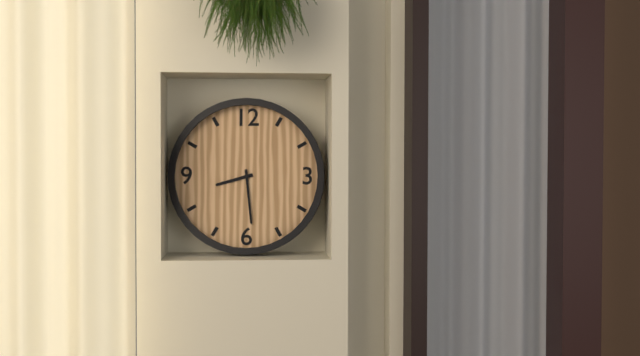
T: 8 h 29 min
